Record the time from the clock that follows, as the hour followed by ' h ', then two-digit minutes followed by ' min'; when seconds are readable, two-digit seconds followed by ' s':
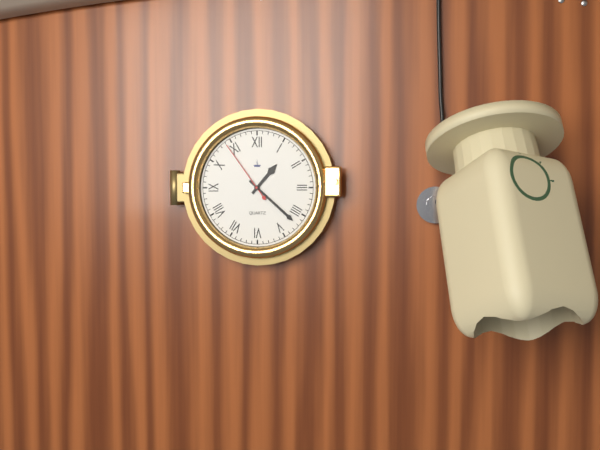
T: 1 h 22 min 54 s
